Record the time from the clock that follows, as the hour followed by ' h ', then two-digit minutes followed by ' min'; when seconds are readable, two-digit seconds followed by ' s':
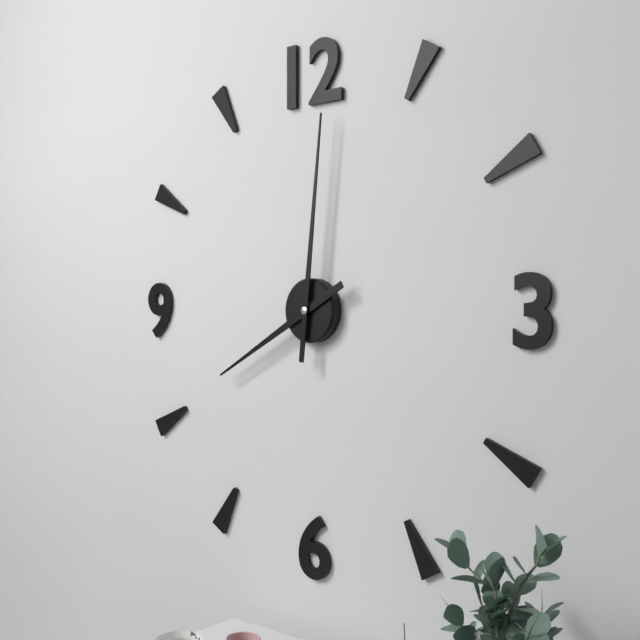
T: 8 h 01 min
